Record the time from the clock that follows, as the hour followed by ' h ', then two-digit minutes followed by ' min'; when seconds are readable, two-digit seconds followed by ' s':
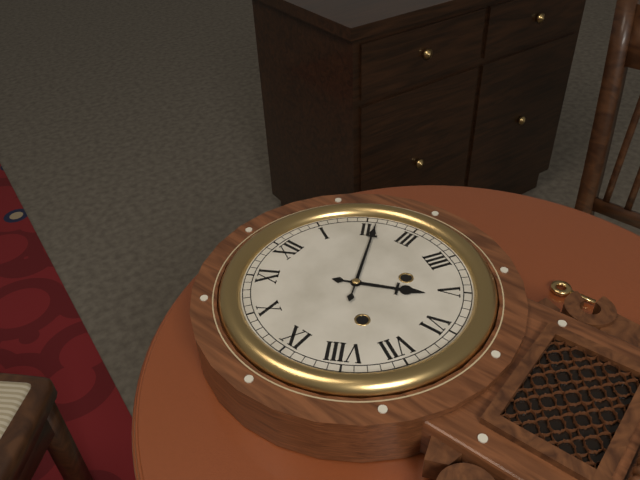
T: 5 h 11 min
